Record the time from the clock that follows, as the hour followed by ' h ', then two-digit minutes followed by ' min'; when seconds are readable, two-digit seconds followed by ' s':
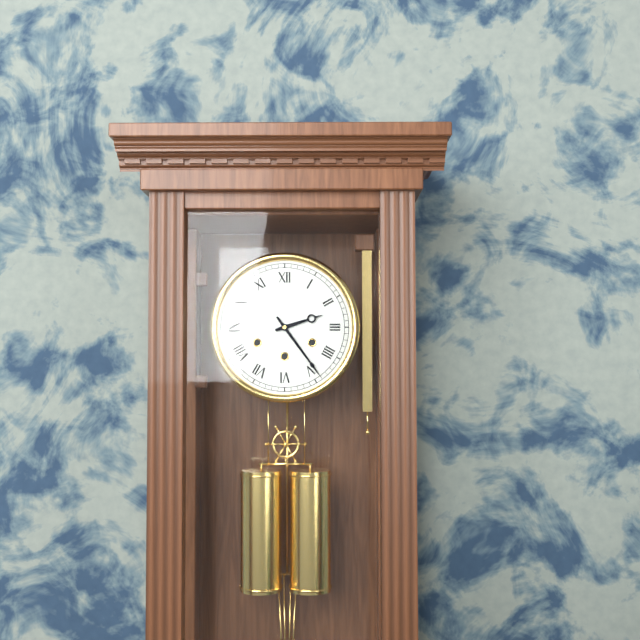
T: 2 h 24 min
